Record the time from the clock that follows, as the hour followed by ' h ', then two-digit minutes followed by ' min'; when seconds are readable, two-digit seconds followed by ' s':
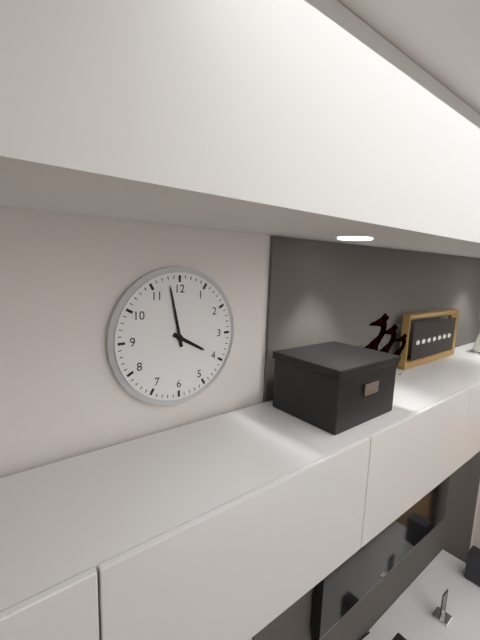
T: 3 h 58 min
